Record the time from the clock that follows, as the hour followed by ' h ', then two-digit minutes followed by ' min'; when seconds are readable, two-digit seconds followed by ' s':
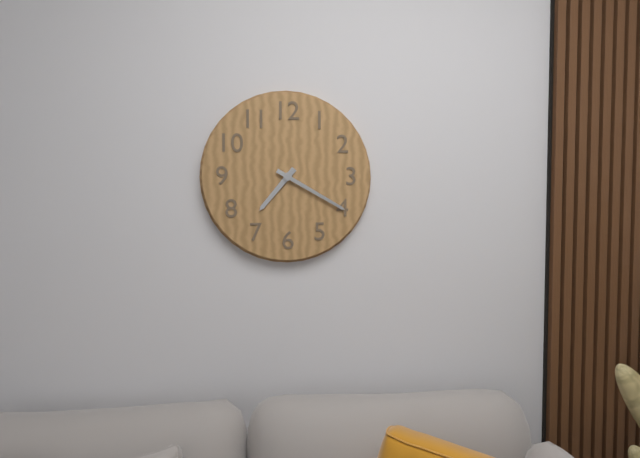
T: 7 h 20 min
